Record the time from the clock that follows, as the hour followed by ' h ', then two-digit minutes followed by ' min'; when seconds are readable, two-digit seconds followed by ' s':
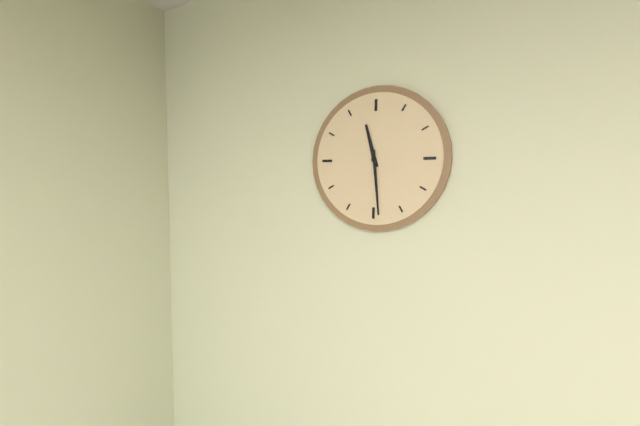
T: 11 h 29 min
